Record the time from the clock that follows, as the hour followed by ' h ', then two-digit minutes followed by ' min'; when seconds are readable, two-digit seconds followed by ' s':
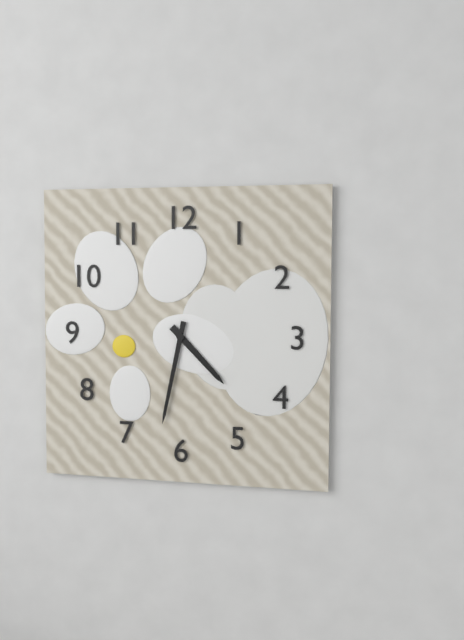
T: 4 h 32 min
